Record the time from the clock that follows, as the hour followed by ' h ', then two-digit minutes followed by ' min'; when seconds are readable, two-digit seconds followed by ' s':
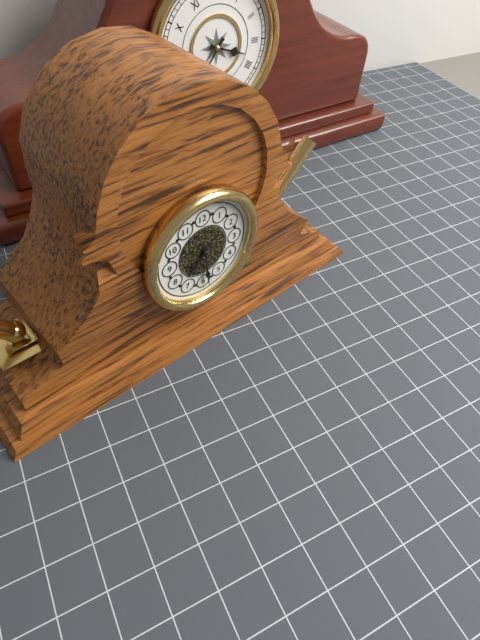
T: 7 h 29 min
